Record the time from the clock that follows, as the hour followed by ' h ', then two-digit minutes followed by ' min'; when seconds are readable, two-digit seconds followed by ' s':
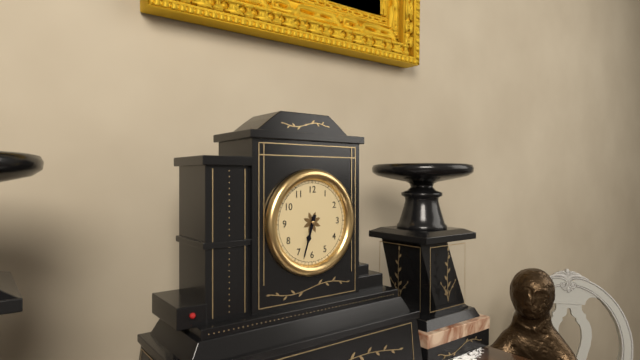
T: 6 h 33 min
